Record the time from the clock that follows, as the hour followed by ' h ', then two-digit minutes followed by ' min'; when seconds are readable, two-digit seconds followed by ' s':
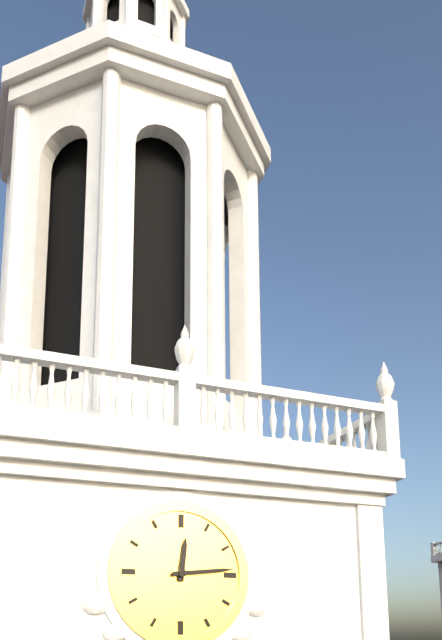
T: 12 h 14 min
